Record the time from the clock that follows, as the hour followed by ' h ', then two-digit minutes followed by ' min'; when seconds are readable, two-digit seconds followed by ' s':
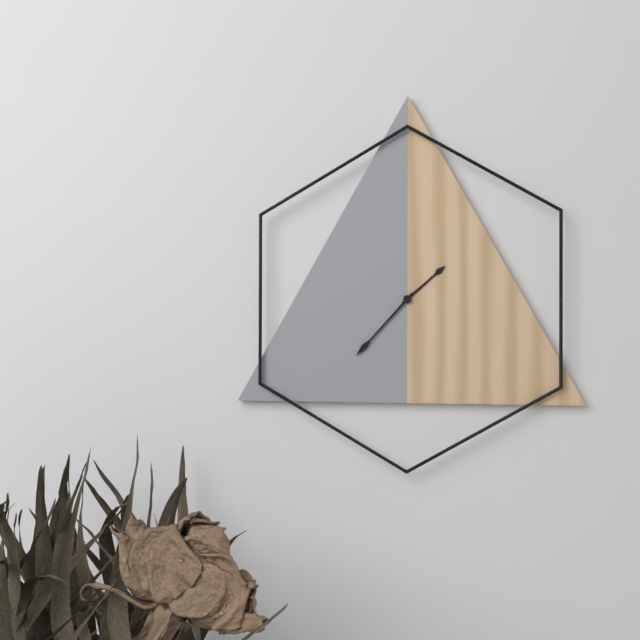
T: 1 h 37 min
